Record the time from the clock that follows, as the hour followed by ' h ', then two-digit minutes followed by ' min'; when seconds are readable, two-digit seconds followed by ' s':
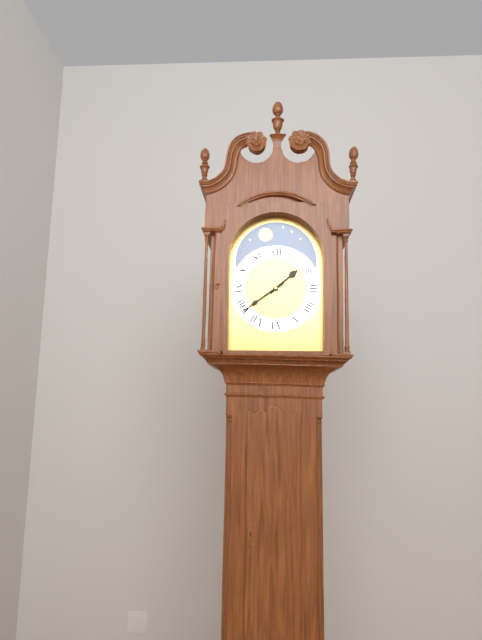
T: 1 h 39 min
